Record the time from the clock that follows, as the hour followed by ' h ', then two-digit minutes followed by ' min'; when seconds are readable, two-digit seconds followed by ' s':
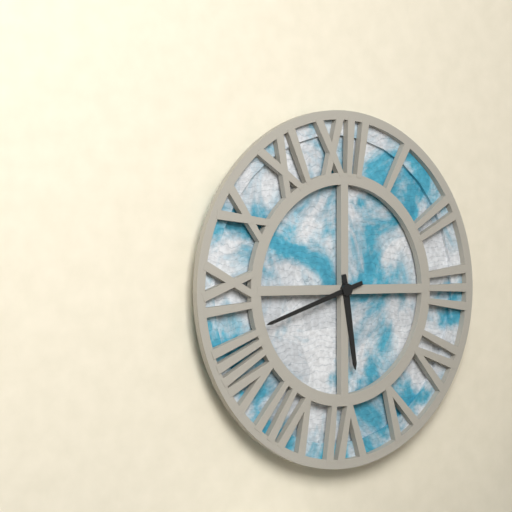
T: 5 h 42 min
